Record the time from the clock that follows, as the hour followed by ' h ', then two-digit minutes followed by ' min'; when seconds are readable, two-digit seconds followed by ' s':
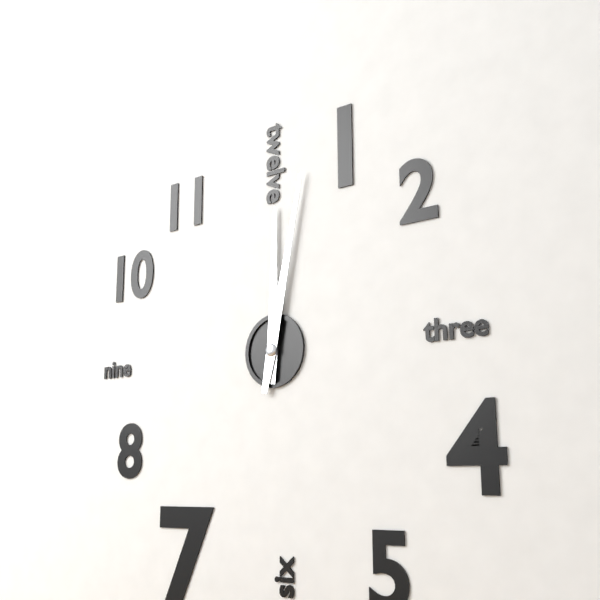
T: 12 h 02 min
